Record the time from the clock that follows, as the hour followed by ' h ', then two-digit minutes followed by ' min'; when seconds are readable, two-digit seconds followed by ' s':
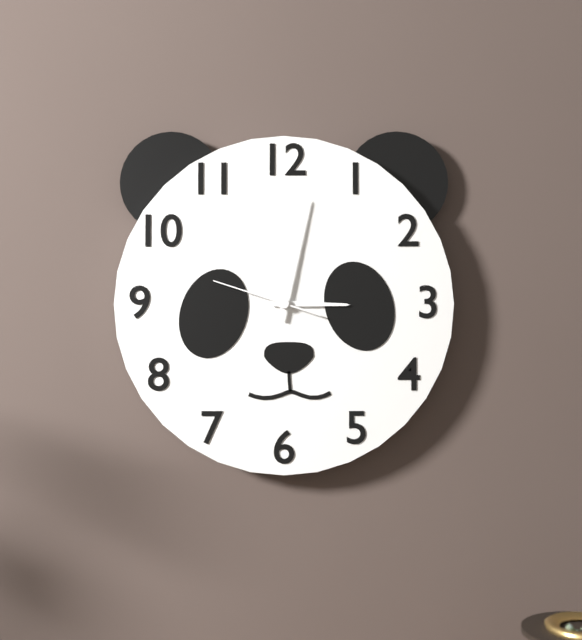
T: 3 h 02 min 48 s
